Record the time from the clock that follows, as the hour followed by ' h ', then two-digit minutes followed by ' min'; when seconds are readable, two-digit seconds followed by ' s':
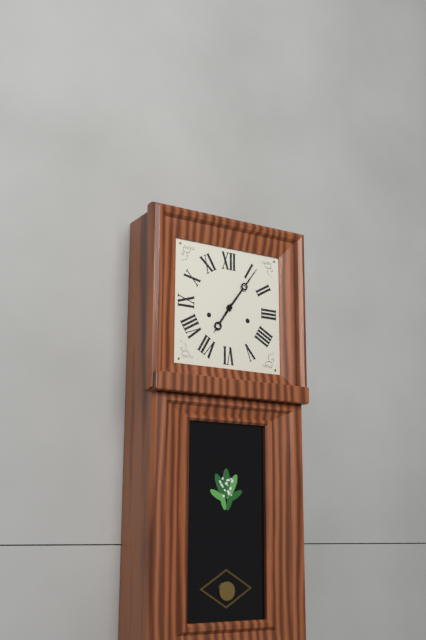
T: 7 h 06 min
